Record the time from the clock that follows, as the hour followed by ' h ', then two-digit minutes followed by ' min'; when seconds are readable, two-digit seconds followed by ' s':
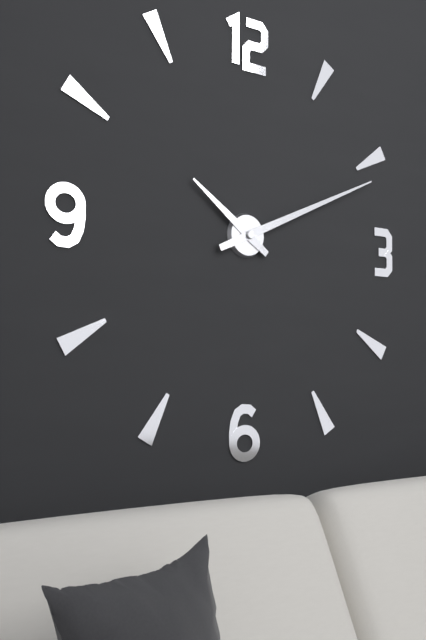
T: 10 h 11 min
